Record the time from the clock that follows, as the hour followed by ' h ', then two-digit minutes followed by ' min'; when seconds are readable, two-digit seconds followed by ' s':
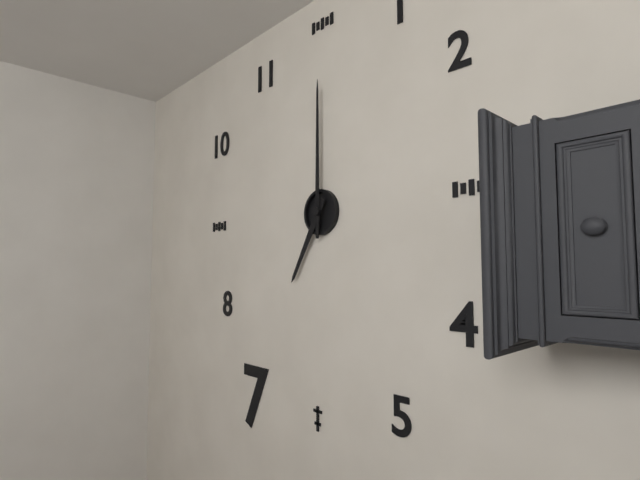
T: 7 h 00 min
